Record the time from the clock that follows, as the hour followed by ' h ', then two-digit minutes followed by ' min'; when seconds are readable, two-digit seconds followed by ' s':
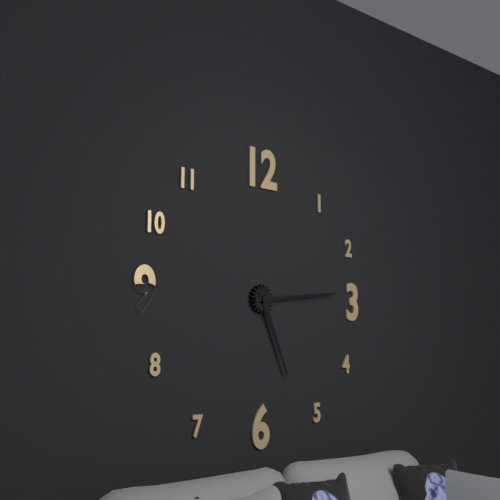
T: 5 h 14 min
